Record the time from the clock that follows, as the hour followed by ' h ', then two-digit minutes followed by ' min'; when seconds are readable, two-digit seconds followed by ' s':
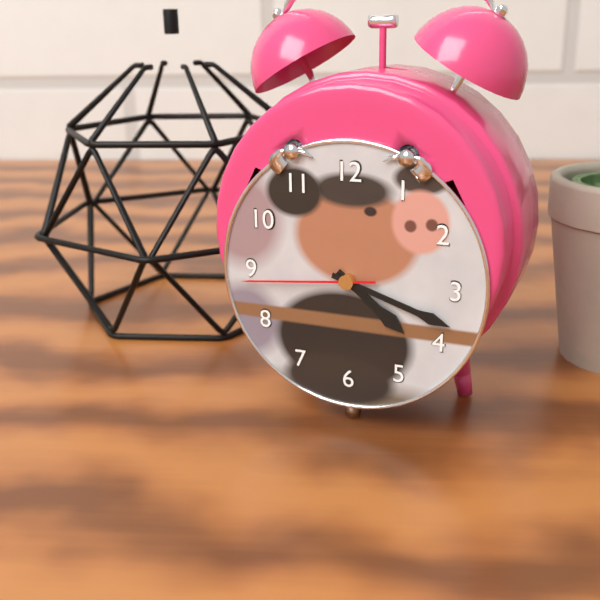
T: 4 h 18 min 44 s
